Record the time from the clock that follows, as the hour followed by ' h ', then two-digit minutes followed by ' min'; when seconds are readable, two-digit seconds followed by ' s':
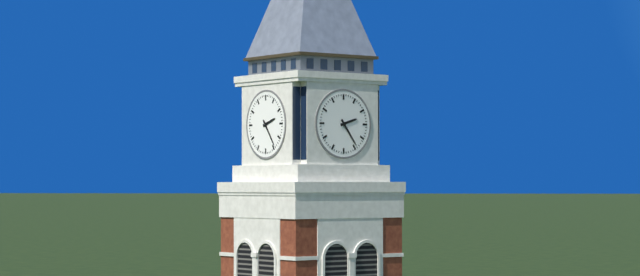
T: 2 h 24 min
